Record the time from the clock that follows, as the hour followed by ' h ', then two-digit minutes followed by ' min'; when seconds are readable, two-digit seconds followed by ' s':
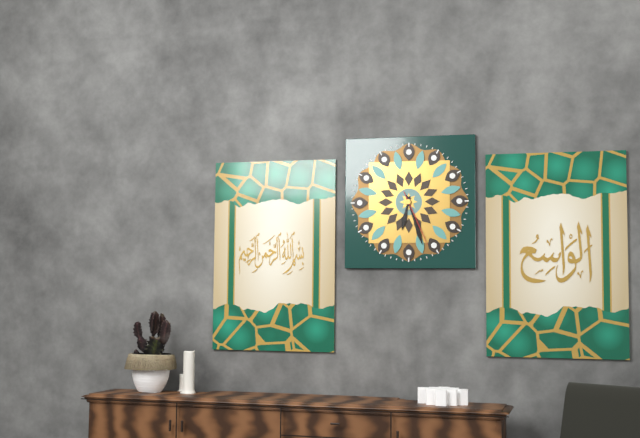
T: 6 h 27 min 26 s
